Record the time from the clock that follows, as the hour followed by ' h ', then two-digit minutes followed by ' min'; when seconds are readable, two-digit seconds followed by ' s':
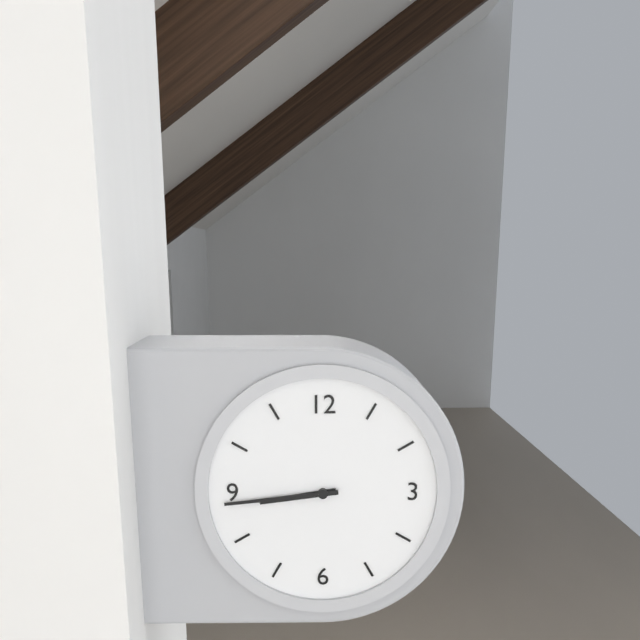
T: 8 h 44 min
